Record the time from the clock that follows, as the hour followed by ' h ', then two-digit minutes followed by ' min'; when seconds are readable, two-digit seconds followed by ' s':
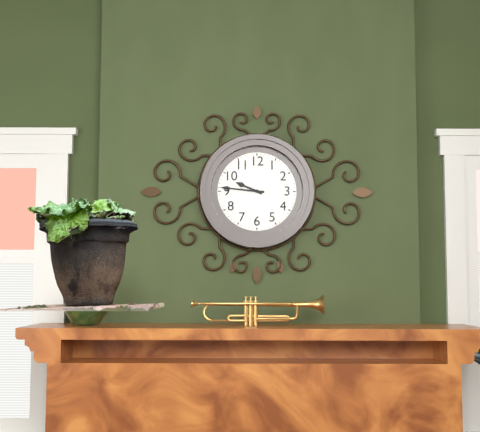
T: 9 h 46 min
